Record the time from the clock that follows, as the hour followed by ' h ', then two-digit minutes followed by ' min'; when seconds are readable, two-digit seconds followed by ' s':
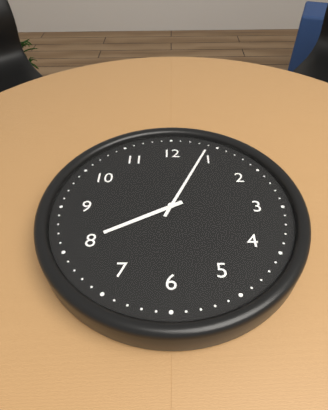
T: 8 h 04 min
